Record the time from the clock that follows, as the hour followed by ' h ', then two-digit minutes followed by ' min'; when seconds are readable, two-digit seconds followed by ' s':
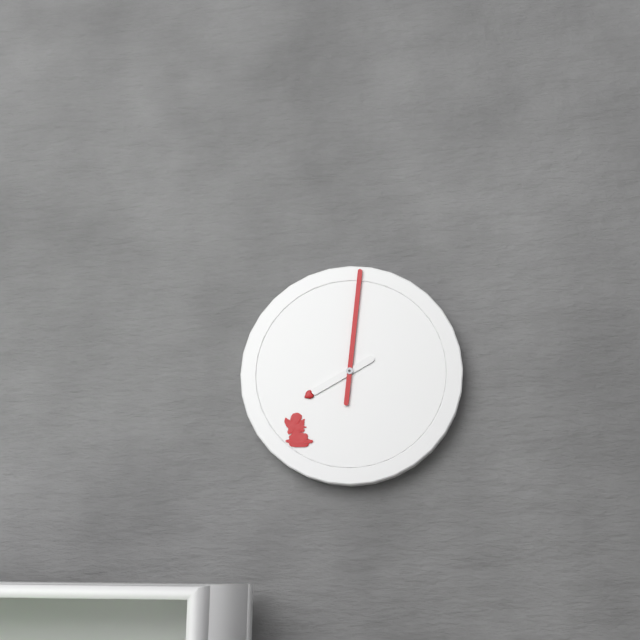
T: 8 h 01 min
